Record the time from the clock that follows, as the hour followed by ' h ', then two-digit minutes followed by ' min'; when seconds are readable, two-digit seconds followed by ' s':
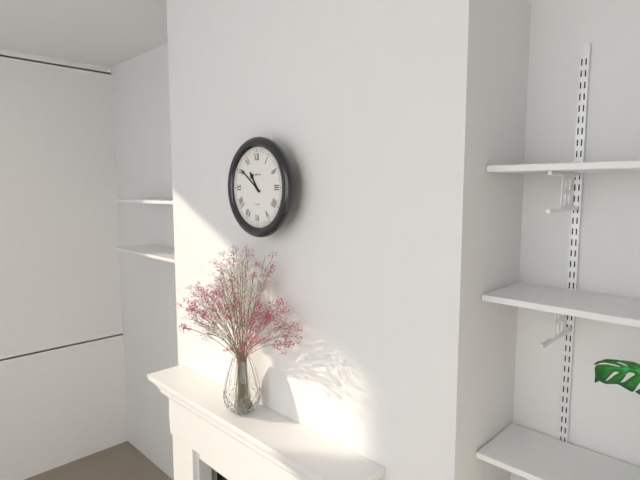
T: 10 h 51 min
